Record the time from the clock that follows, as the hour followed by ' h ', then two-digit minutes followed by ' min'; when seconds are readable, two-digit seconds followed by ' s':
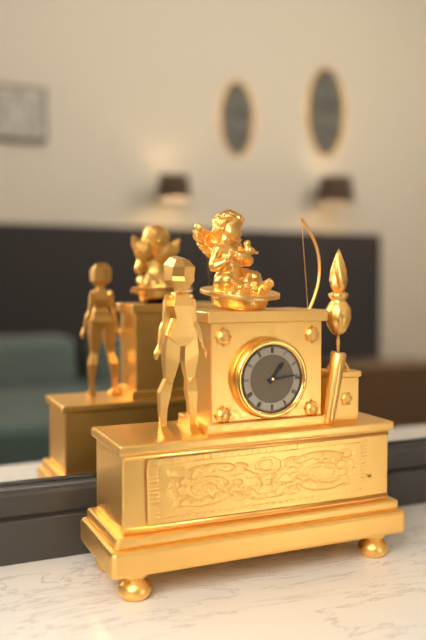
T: 1 h 14 min
